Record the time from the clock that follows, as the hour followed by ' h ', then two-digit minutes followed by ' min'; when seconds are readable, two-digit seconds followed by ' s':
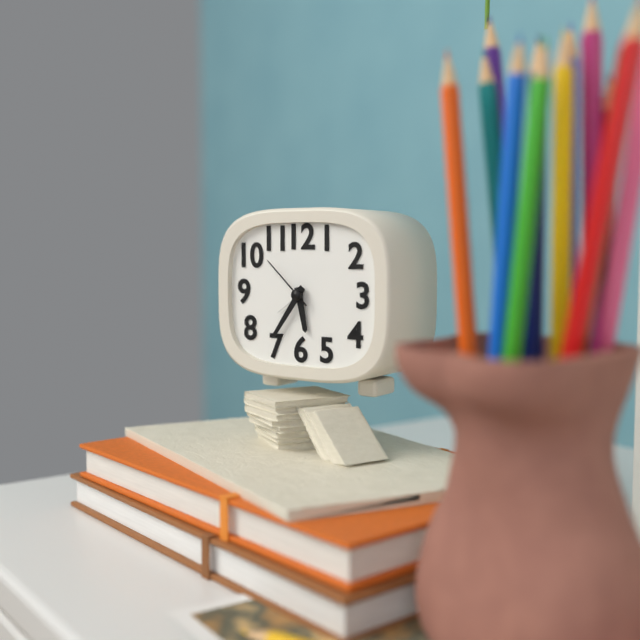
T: 5 h 36 min 52 s
